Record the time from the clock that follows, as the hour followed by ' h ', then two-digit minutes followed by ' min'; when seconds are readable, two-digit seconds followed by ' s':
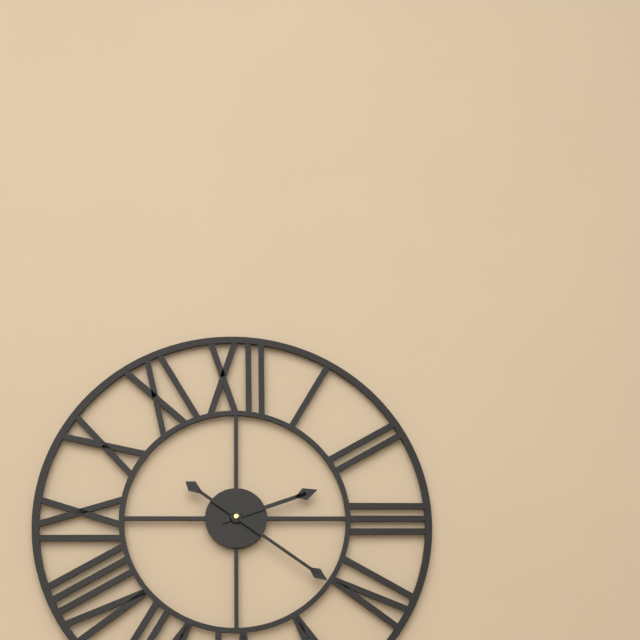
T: 2 h 21 min
